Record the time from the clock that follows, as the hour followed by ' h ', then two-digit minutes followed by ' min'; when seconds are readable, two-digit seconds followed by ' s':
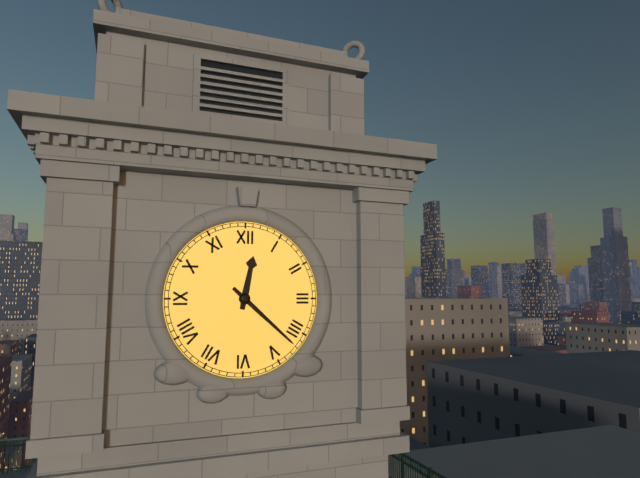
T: 12 h 22 min
